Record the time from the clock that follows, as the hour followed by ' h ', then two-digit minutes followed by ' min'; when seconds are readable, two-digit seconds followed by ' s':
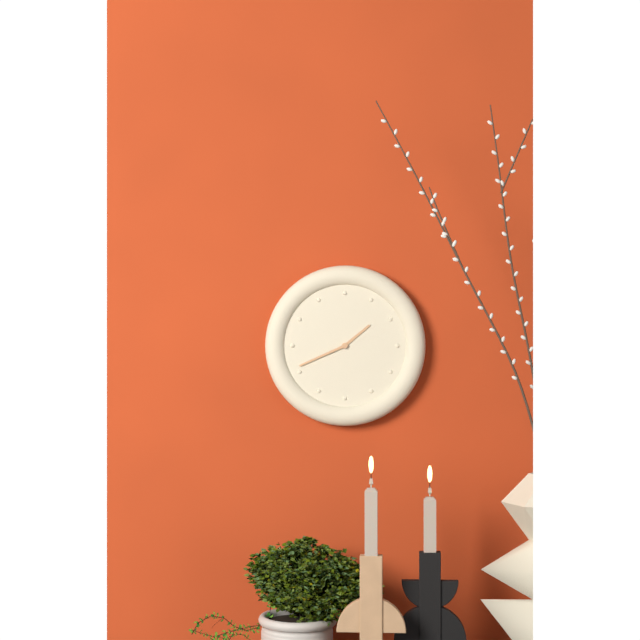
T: 1 h 41 min
